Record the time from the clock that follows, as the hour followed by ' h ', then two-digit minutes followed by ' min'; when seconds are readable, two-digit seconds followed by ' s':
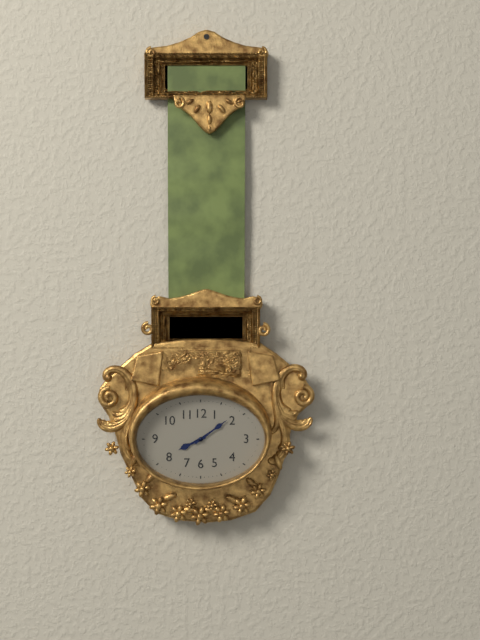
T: 8 h 09 min
